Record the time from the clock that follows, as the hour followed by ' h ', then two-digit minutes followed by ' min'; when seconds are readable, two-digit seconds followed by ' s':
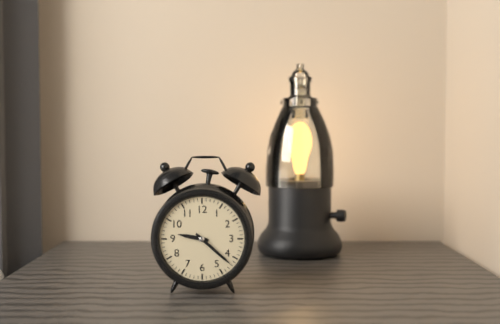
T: 9 h 22 min
